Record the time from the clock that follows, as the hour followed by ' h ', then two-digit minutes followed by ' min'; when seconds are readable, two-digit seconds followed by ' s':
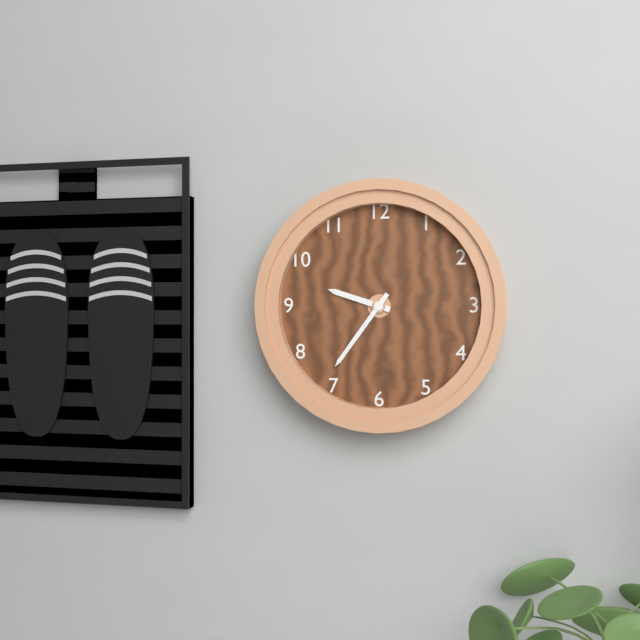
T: 9 h 36 min
